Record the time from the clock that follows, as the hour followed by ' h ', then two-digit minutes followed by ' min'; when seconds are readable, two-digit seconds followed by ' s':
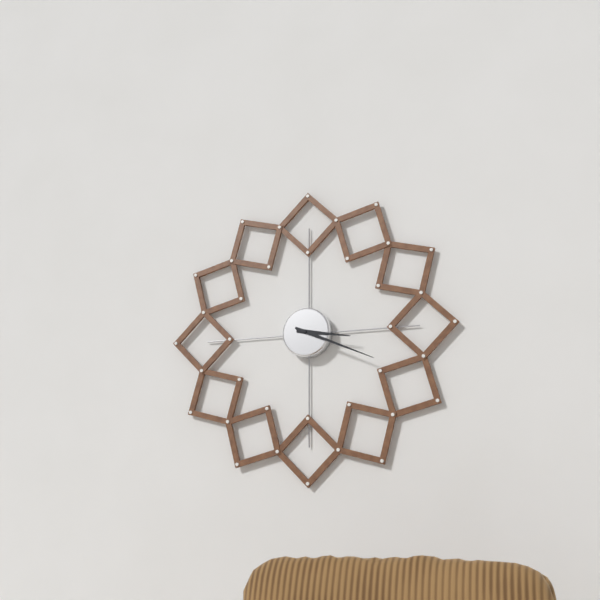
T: 3 h 19 min
